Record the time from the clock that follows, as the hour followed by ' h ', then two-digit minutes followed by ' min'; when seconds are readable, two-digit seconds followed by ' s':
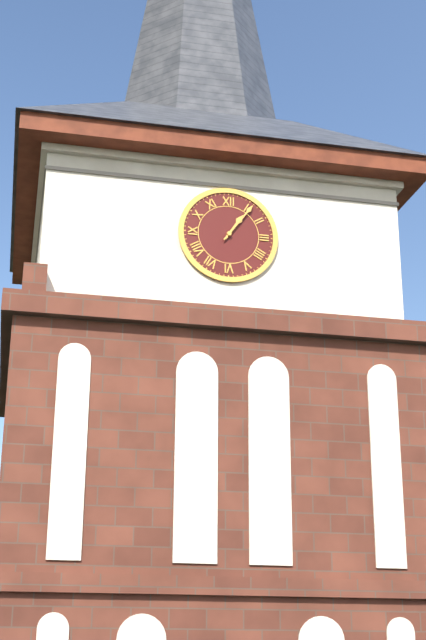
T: 1 h 06 min
